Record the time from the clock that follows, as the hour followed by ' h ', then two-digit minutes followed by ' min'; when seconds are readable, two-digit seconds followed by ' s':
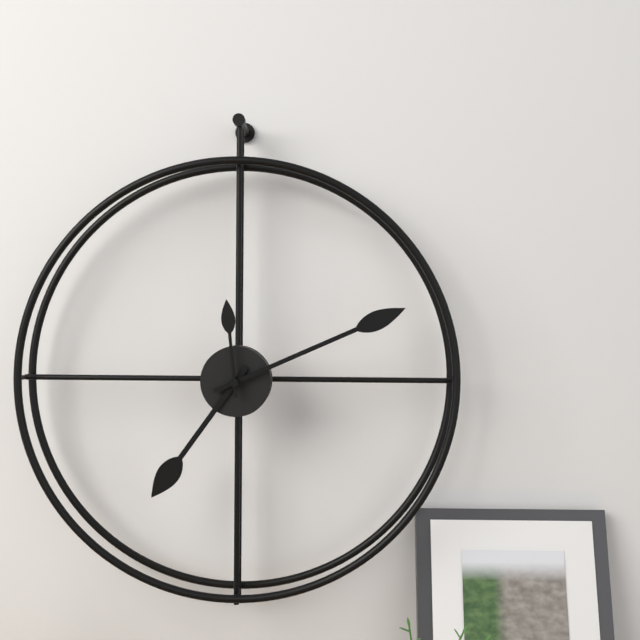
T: 7 h 11 min 59 s
